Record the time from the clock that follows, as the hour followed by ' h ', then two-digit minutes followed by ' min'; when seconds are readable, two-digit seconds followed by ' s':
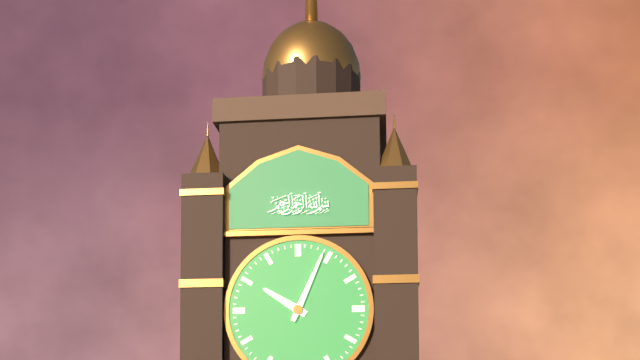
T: 10 h 04 min
